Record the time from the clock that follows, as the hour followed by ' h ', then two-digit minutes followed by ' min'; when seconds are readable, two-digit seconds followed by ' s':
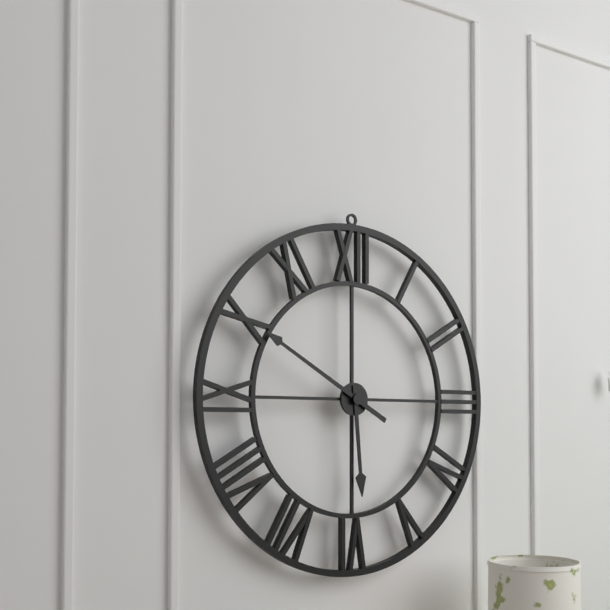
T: 5 h 50 min
